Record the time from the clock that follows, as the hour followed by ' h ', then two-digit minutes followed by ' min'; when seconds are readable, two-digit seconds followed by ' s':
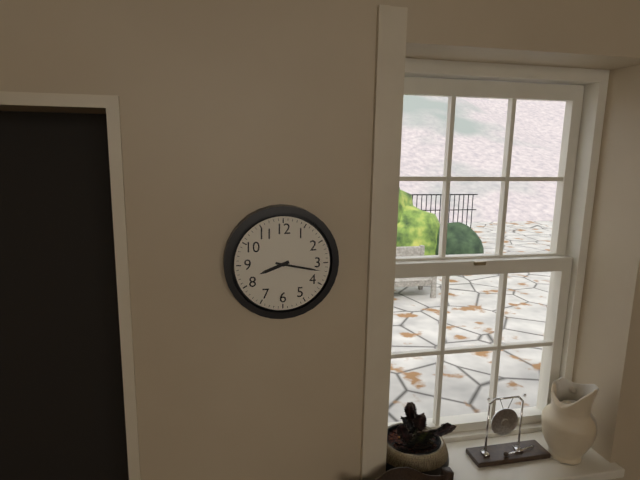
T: 8 h 17 min
